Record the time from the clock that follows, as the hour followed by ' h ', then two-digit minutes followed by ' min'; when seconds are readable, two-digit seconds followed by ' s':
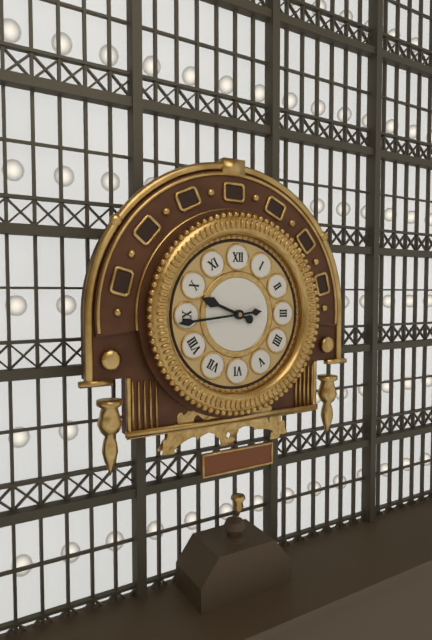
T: 9 h 44 min
